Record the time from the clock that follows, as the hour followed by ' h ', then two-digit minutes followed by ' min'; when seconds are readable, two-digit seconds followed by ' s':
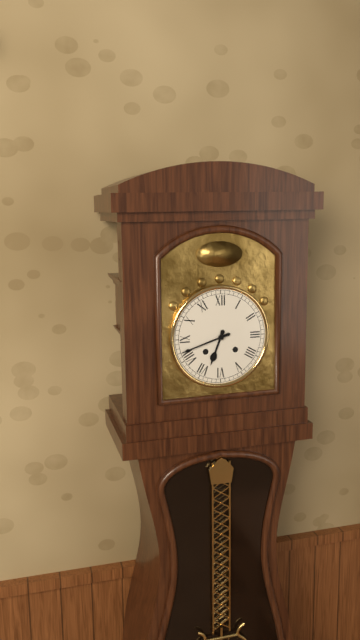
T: 6 h 42 min
